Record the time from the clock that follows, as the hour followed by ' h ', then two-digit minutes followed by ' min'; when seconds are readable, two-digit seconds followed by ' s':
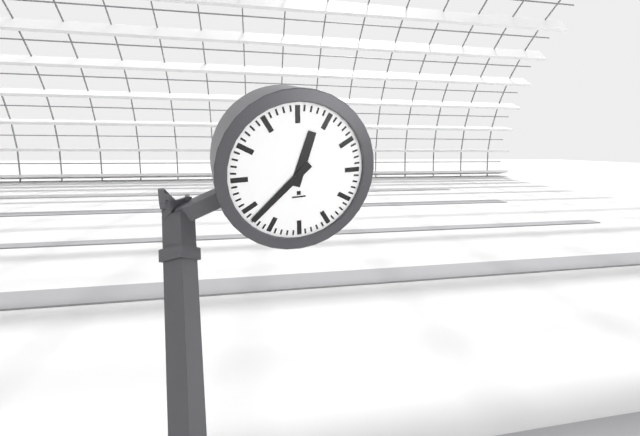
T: 12 h 38 min
